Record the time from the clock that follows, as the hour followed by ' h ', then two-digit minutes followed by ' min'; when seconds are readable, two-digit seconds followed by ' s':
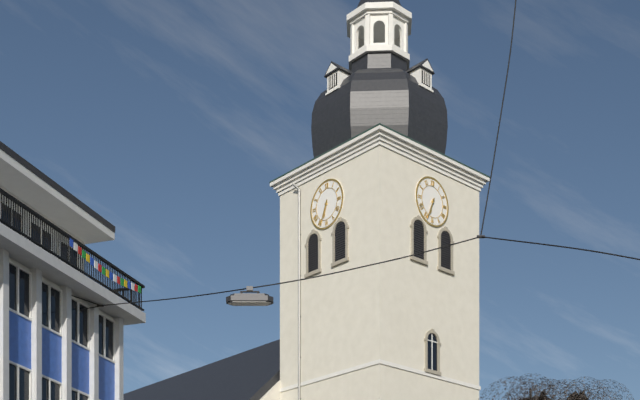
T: 6 h 34 min
